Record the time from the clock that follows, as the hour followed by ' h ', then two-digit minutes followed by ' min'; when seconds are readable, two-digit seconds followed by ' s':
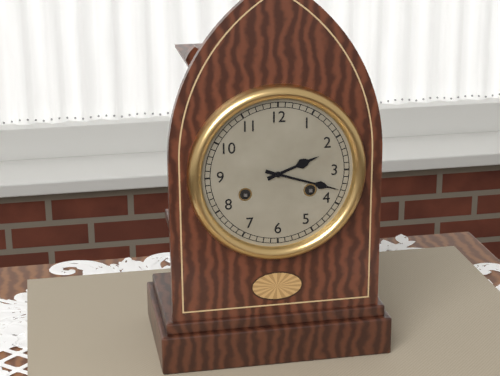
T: 2 h 18 min
